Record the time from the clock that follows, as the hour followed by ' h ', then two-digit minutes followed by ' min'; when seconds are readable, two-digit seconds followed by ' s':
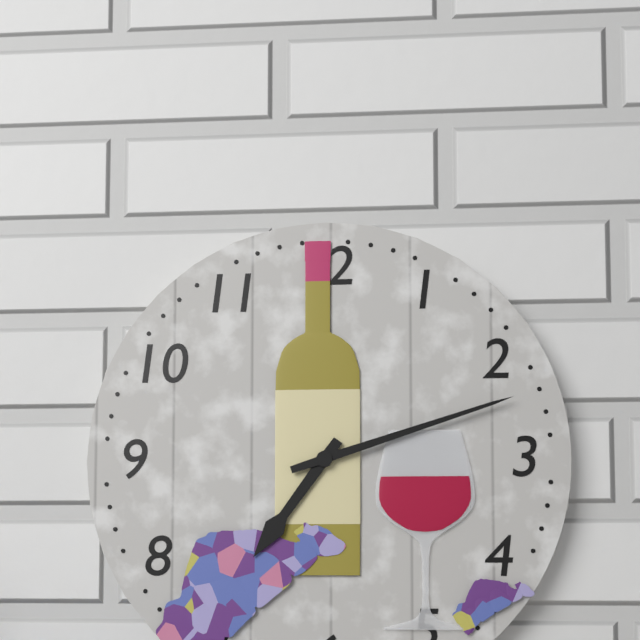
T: 7 h 12 min
